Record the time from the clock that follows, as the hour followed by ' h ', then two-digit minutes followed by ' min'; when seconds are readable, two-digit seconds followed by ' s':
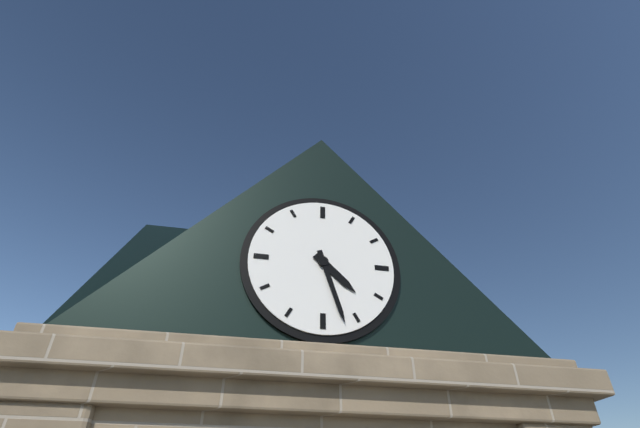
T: 4 h 27 min
